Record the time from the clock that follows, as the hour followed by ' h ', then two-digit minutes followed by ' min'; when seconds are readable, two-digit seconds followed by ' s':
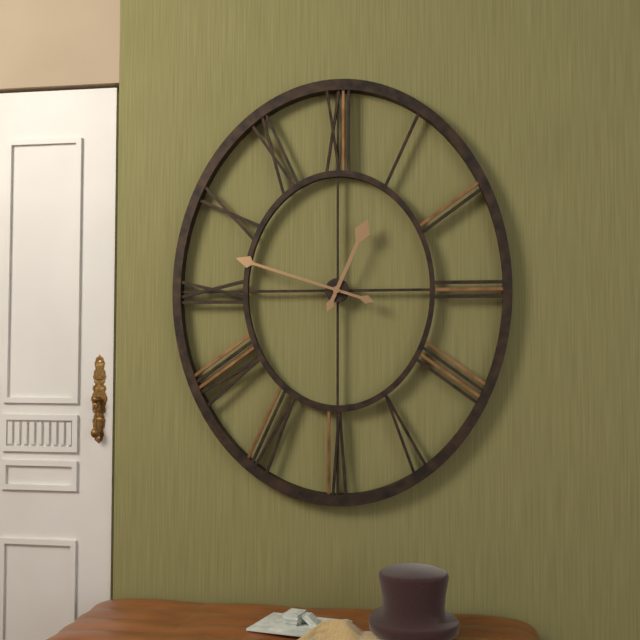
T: 12 h 48 min
